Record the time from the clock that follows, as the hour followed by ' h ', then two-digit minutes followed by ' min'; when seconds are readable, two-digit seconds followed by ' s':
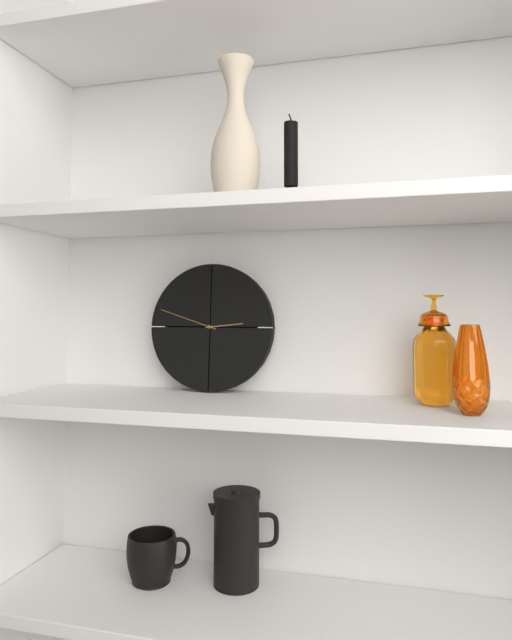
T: 2 h 48 min
